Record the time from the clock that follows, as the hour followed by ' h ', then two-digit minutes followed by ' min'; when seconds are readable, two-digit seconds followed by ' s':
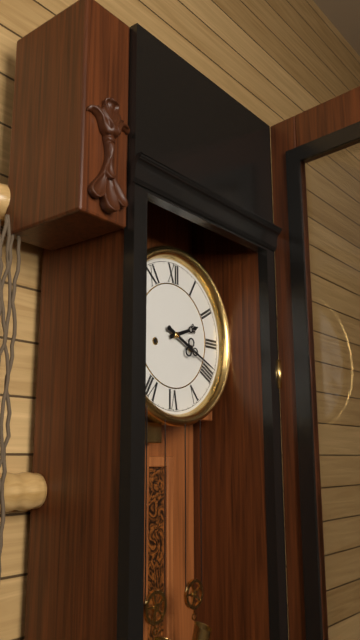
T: 2 h 19 min
